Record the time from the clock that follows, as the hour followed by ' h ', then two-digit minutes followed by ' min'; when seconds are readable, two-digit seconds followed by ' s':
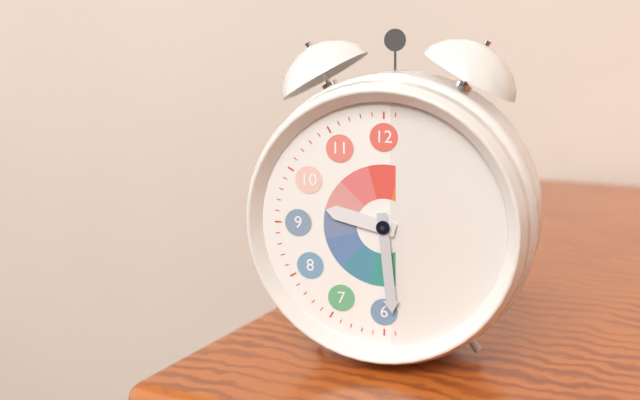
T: 9 h 29 min
